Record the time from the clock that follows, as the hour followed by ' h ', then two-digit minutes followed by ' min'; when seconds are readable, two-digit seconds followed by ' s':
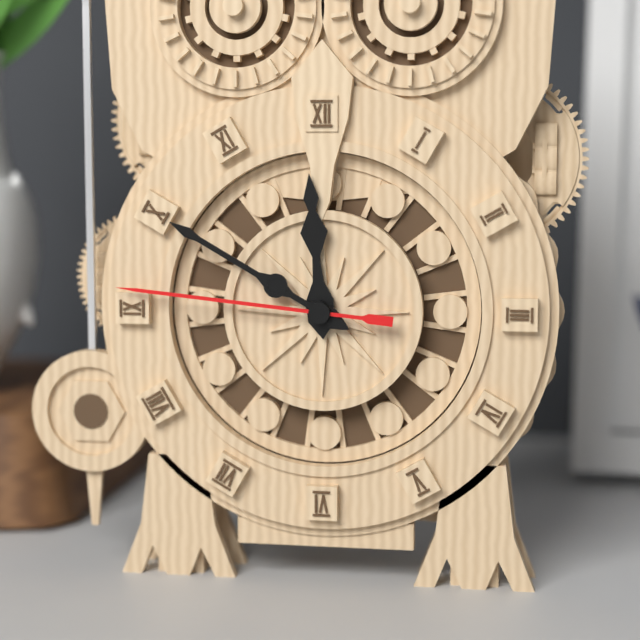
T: 11 h 50 min 46 s
